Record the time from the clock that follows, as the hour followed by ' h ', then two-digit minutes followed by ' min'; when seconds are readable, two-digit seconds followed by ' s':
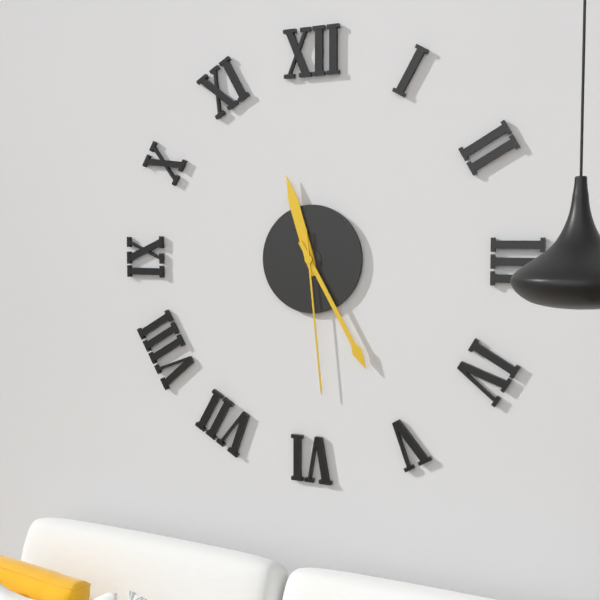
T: 11 h 25 min 29 s
